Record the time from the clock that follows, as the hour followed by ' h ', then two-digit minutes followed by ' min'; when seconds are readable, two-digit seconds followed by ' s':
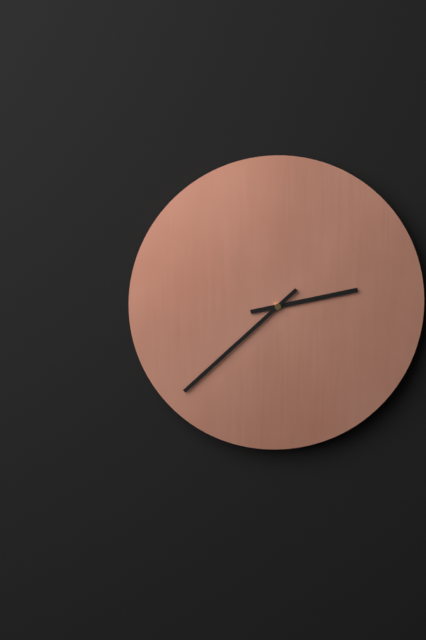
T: 2 h 38 min
